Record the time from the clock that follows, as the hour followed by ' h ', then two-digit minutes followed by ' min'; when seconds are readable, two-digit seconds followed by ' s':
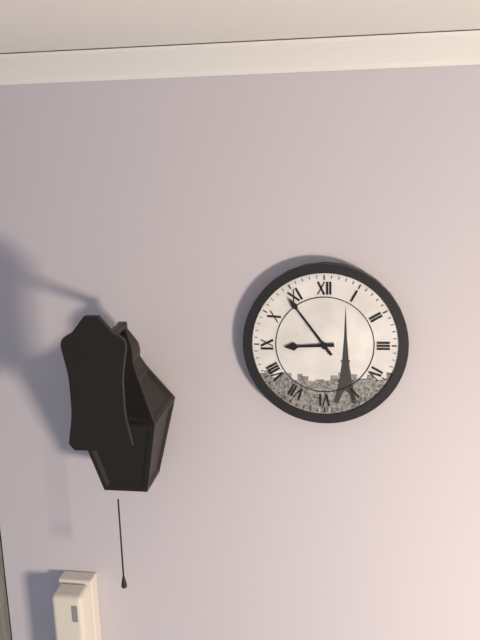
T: 8 h 54 min
